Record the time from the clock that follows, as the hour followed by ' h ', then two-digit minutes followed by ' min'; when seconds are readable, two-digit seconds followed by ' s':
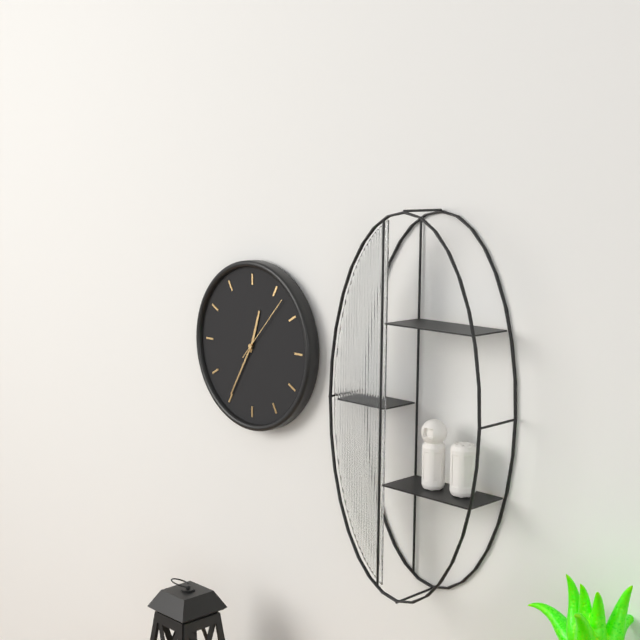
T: 12 h 35 min 07 s
